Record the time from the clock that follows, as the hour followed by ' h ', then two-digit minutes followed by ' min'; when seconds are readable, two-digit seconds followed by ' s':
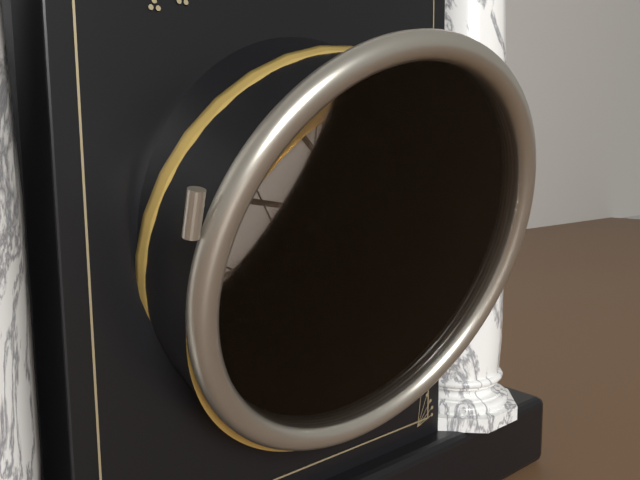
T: 9 h 03 min
